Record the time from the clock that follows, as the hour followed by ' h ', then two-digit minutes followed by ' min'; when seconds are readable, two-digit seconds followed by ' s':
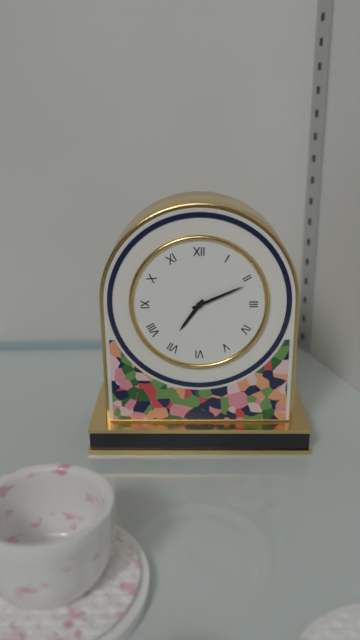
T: 7 h 11 min
